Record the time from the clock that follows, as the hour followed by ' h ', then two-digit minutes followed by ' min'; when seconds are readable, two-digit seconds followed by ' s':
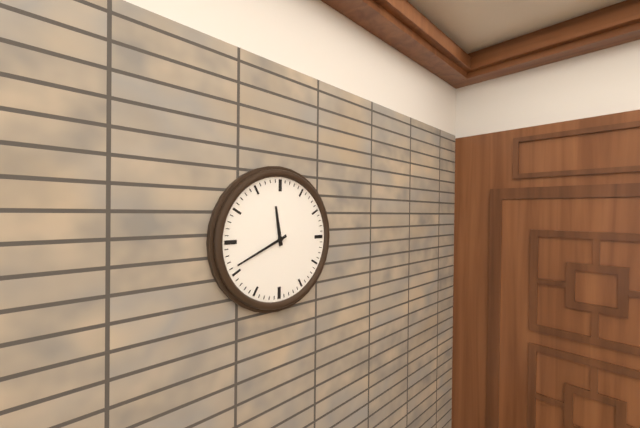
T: 11 h 41 min
